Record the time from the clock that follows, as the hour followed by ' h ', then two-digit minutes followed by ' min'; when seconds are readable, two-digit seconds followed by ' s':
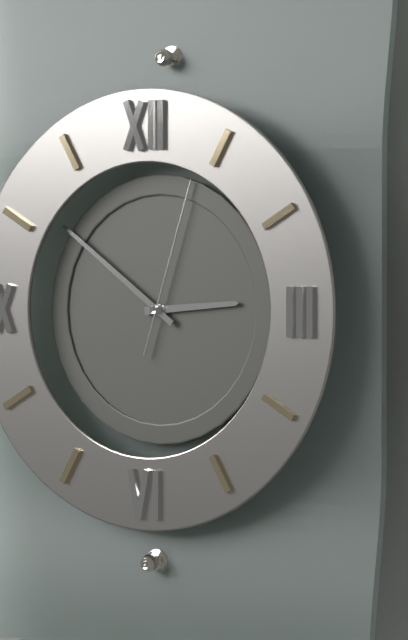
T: 2 h 51 min 03 s
